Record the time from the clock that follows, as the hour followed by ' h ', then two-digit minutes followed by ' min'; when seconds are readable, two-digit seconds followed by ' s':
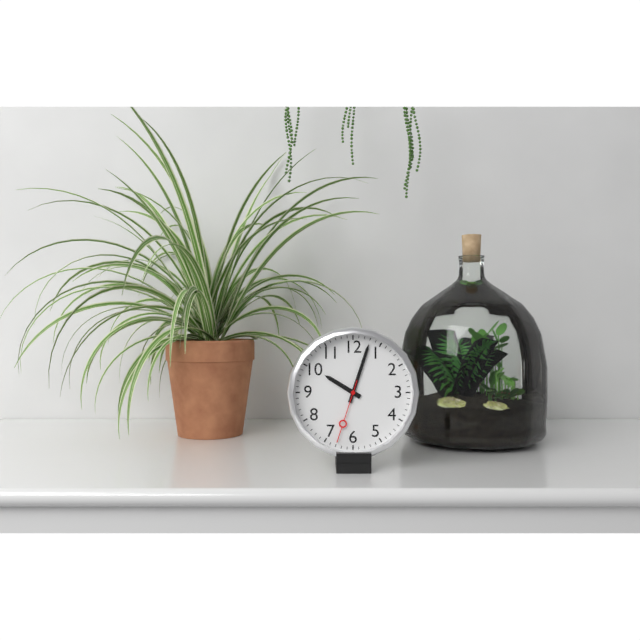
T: 10 h 03 min 33 s
